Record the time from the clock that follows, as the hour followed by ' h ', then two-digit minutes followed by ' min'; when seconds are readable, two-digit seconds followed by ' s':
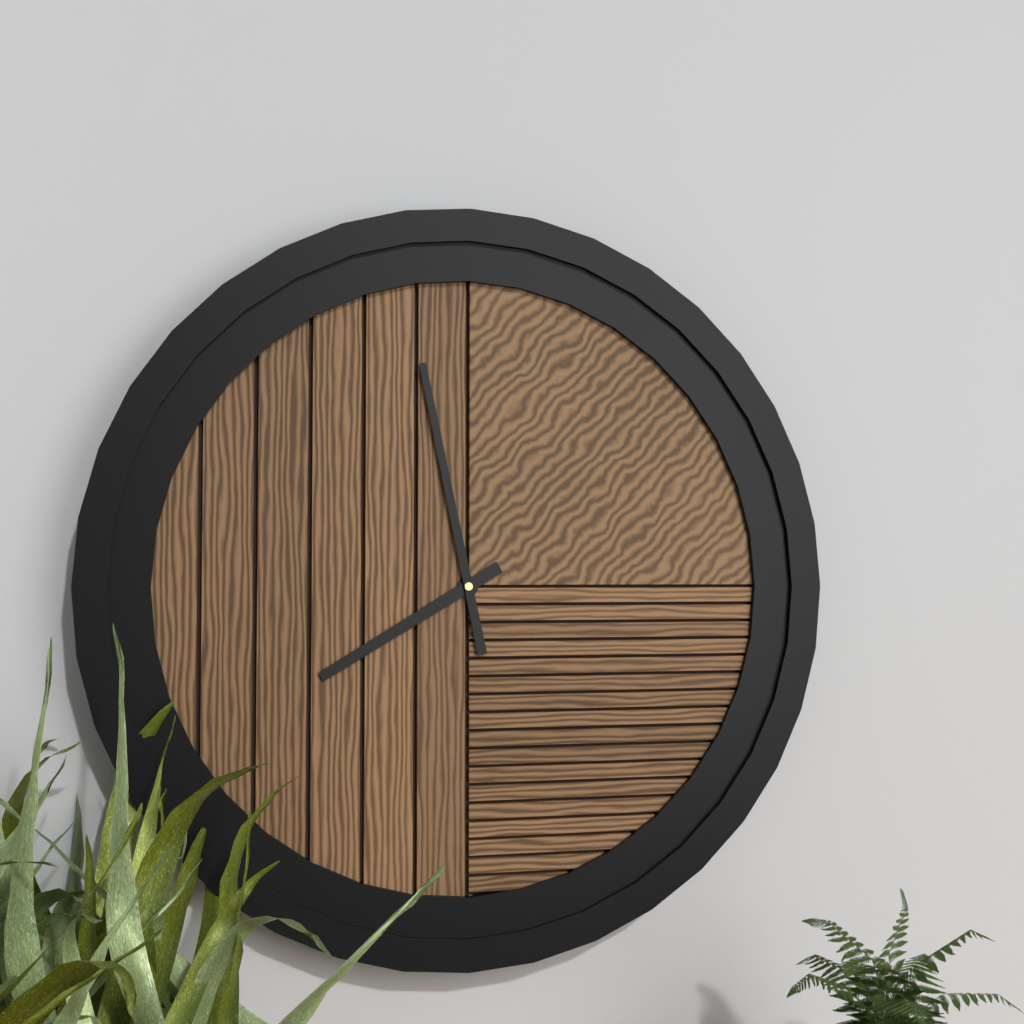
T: 7 h 58 min
